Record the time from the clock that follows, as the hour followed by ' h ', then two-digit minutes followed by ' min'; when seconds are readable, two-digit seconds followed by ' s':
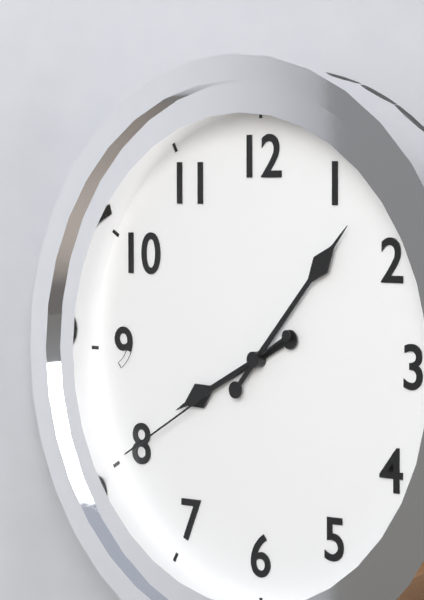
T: 8 h 07 min 40 s
